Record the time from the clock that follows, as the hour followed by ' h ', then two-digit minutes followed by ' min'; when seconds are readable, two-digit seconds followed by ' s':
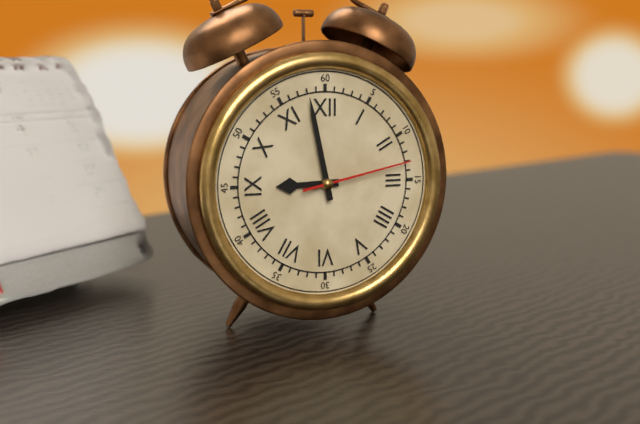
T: 8 h 58 min 13 s
